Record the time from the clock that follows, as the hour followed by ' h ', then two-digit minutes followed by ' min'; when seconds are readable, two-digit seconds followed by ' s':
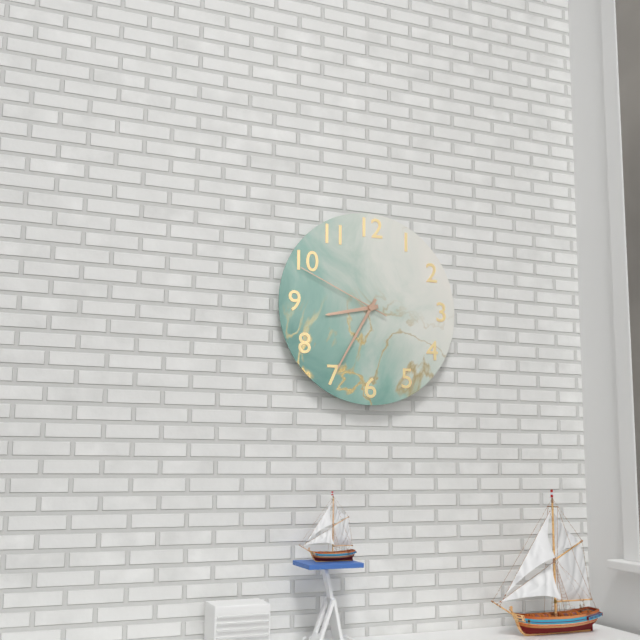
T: 8 h 35 min 49 s
